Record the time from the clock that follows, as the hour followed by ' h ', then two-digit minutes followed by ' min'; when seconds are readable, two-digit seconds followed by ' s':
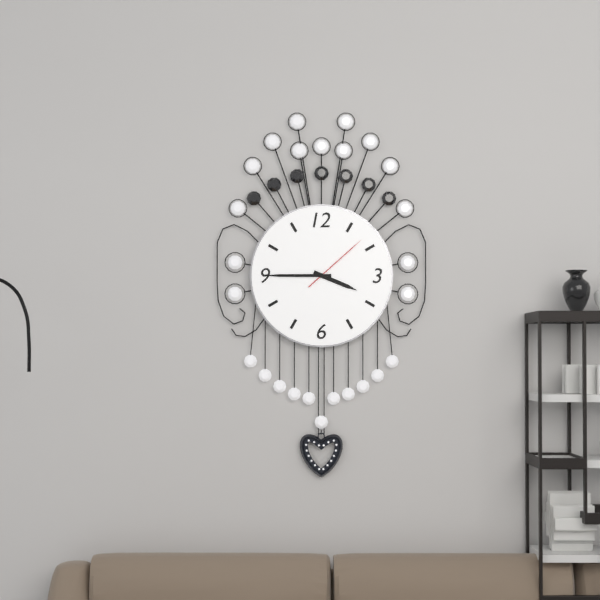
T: 3 h 45 min 08 s
